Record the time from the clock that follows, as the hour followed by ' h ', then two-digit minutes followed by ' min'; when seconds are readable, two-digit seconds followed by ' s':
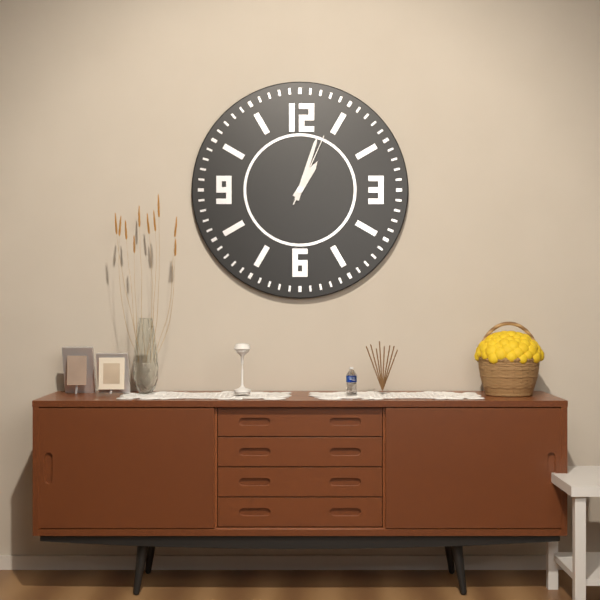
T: 1 h 03 min 04 s
